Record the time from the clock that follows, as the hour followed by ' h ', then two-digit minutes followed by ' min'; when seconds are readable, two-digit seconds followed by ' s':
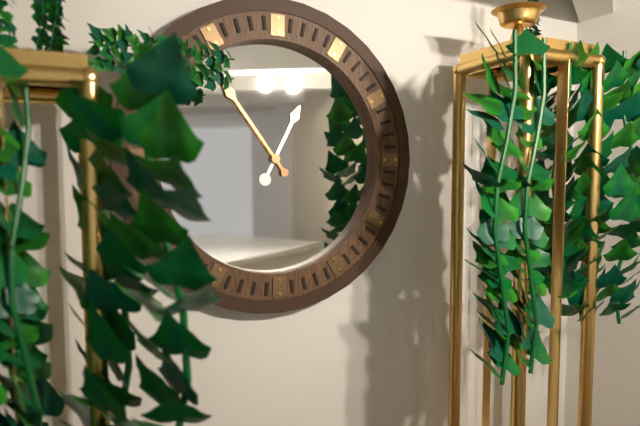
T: 12 h 54 min
